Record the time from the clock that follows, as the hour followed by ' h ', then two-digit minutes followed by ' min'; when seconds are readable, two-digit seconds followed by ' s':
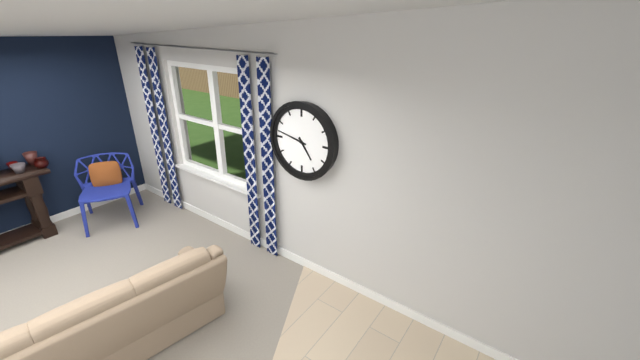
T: 4 h 47 min
